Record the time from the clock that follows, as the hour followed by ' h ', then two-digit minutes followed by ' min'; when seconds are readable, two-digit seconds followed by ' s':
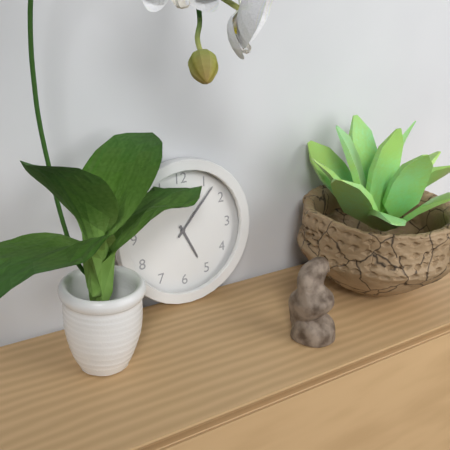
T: 5 h 07 min
